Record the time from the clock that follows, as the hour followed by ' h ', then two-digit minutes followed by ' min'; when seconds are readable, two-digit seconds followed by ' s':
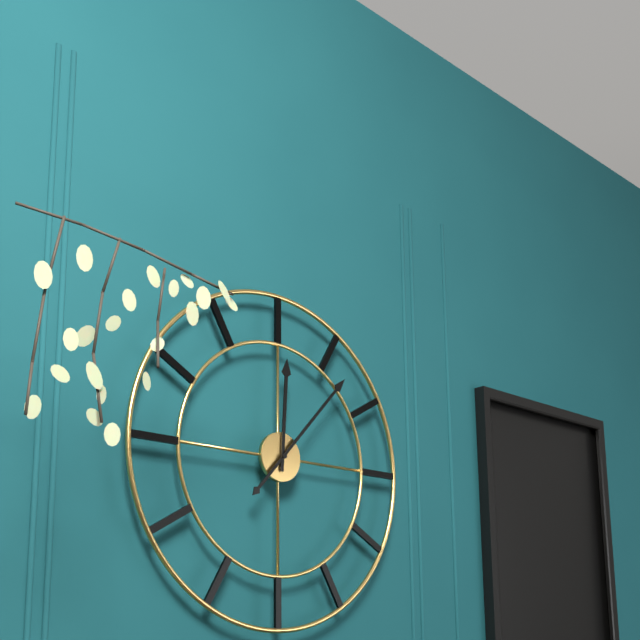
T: 12 h 07 min
